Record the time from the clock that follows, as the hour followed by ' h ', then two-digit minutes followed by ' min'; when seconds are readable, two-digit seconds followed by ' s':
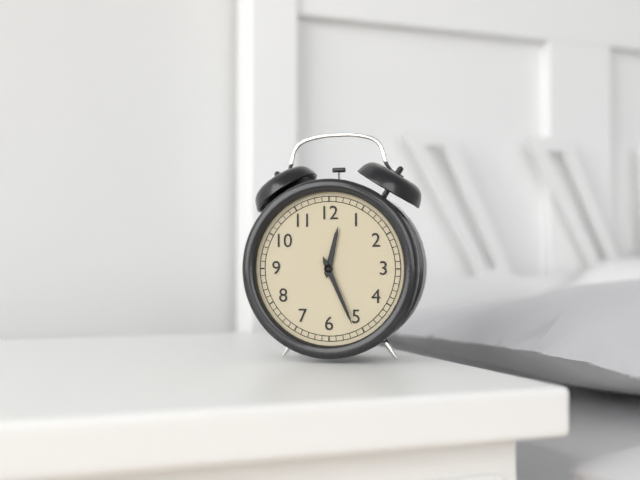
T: 12 h 26 min
